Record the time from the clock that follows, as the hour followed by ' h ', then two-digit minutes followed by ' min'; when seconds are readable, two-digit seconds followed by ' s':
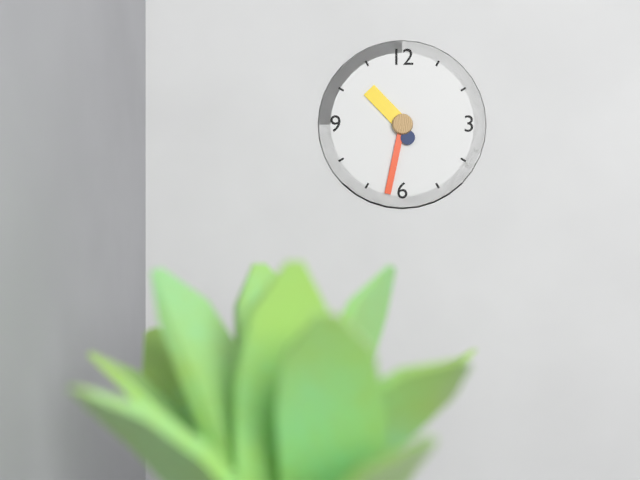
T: 10 h 32 min
